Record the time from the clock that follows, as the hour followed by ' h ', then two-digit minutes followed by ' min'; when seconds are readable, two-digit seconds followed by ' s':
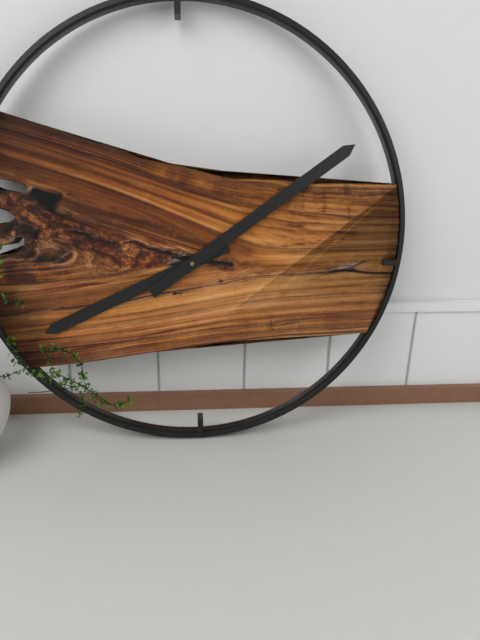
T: 8 h 09 min
